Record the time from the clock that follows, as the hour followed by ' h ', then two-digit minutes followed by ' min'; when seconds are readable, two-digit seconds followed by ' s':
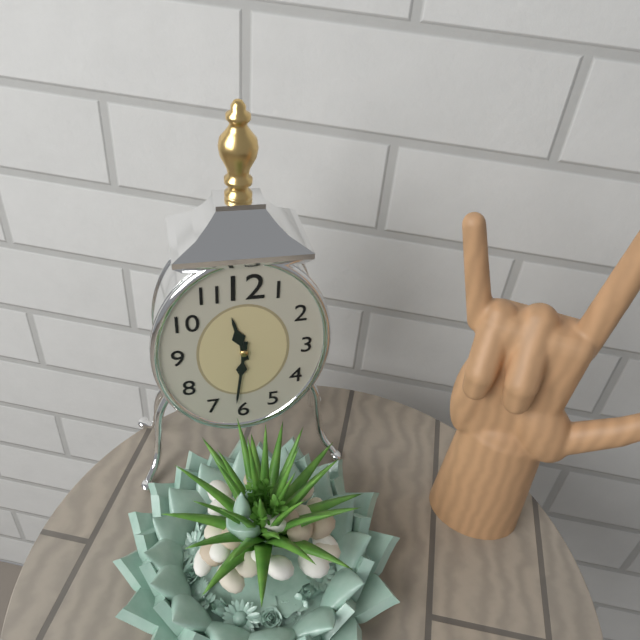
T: 11 h 31 min
